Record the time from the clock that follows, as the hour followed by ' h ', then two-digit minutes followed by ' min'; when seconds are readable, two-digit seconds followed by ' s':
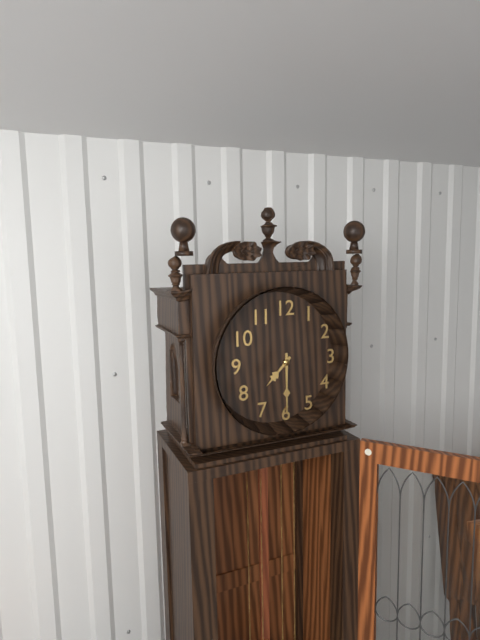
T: 7 h 30 min
